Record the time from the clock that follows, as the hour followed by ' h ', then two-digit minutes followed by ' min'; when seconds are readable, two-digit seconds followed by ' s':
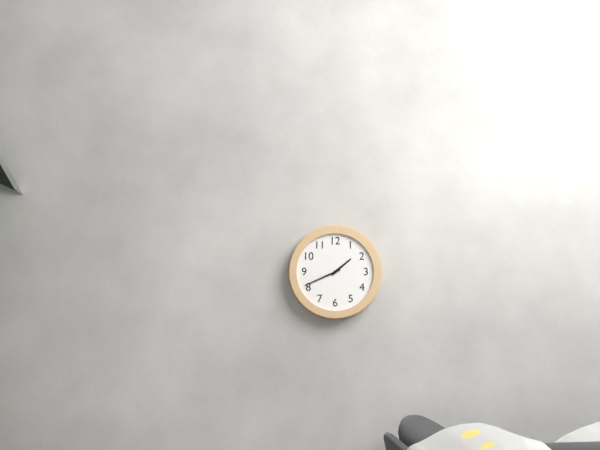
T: 1 h 41 min
